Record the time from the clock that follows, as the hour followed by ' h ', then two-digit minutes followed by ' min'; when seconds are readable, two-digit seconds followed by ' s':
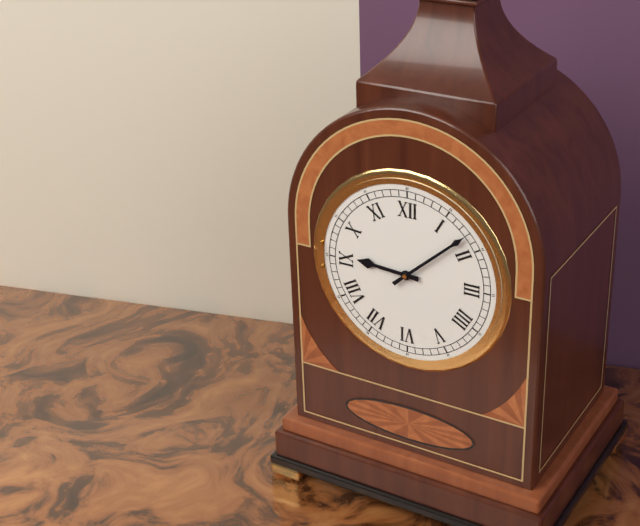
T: 9 h 08 min
